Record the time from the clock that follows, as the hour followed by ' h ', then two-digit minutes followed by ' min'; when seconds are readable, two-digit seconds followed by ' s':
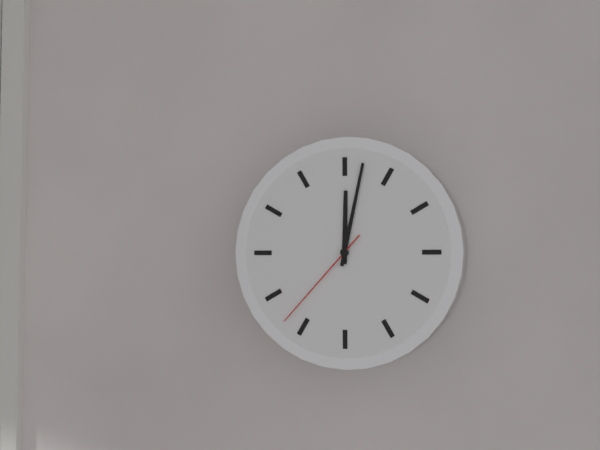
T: 12 h 02 min 37 s
